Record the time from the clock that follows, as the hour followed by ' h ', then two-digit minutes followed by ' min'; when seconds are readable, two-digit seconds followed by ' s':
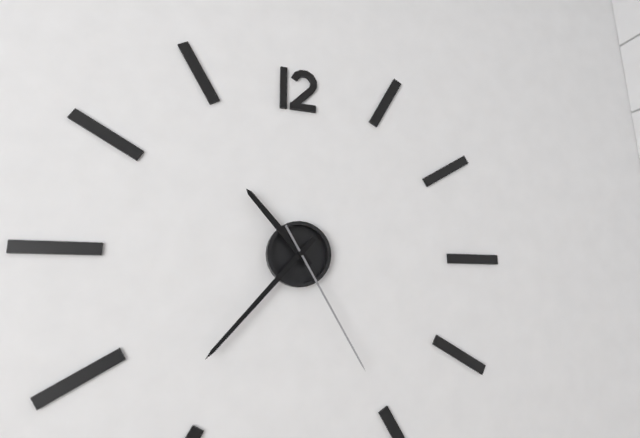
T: 10 h 37 min 25 s
